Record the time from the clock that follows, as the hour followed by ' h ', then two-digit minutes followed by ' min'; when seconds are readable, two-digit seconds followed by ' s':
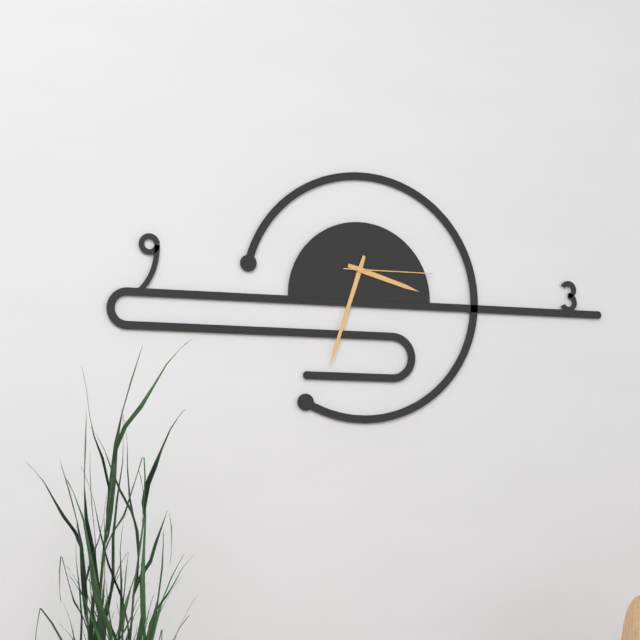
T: 3 h 33 min 15 s
